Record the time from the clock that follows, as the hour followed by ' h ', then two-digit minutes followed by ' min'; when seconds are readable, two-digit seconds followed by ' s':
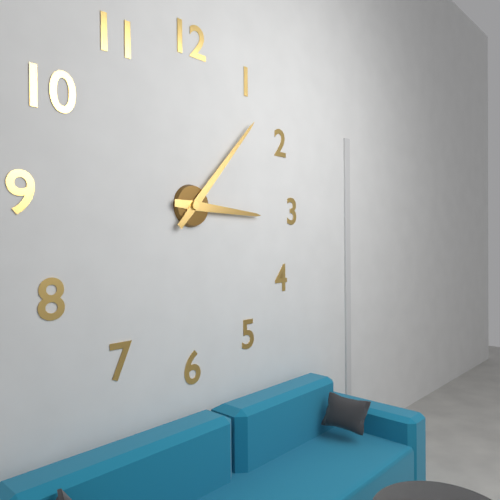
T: 3 h 07 min
